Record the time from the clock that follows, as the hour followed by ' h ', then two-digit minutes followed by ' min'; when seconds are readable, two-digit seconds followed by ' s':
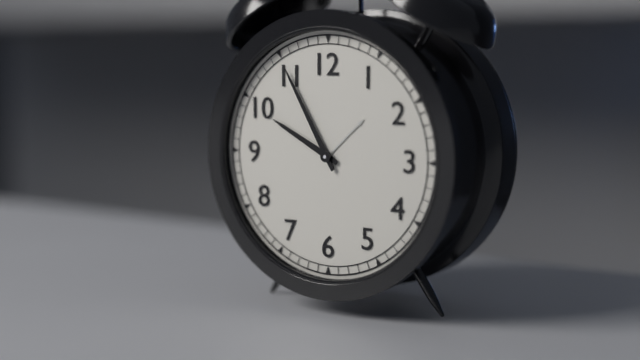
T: 9 h 55 min
